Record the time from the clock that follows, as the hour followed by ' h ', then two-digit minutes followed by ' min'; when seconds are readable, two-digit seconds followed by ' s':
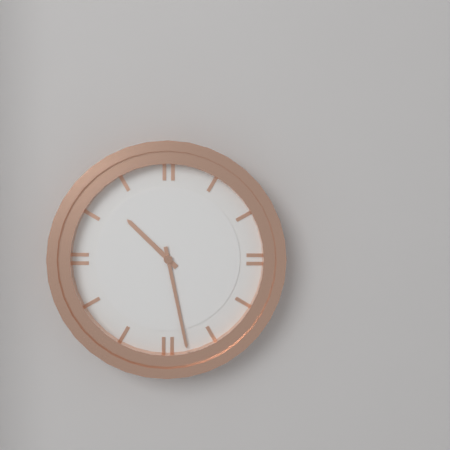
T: 10 h 28 min
